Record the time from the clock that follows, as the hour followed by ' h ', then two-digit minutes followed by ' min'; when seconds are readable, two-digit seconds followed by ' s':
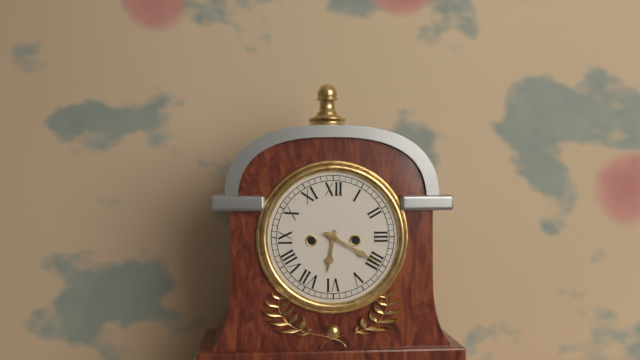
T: 6 h 20 min
